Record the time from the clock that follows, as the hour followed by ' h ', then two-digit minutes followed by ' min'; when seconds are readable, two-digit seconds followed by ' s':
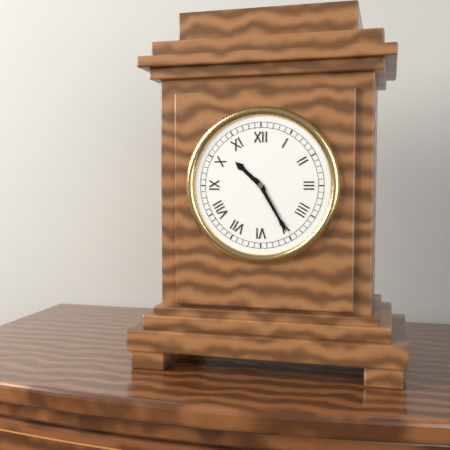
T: 10 h 25 min
